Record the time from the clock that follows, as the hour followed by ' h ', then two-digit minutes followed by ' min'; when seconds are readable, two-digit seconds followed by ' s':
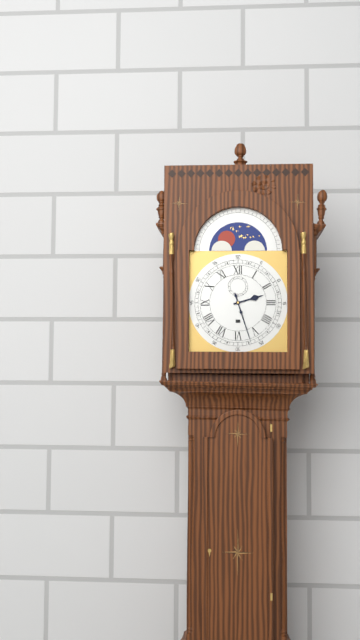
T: 2 h 27 min
